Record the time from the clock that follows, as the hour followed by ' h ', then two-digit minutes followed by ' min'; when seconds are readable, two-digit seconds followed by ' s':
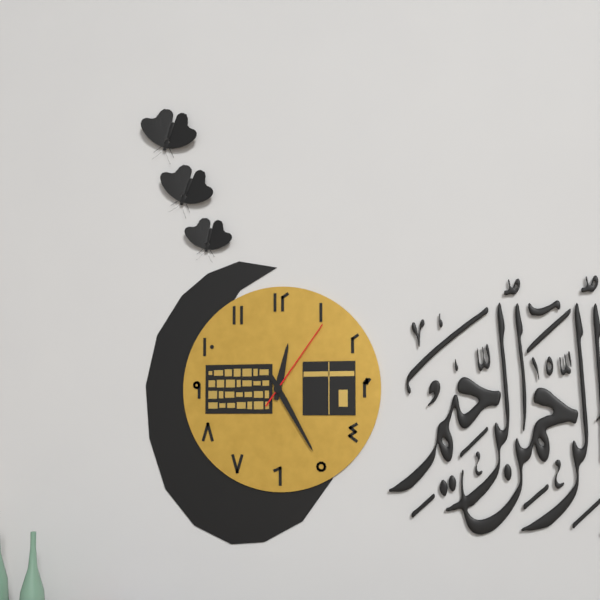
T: 12 h 25 min 06 s
